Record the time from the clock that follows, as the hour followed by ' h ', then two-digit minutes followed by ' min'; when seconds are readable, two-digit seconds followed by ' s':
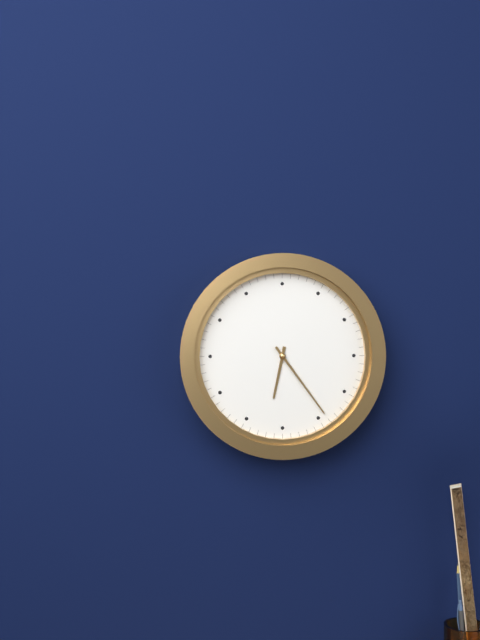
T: 6 h 24 min
